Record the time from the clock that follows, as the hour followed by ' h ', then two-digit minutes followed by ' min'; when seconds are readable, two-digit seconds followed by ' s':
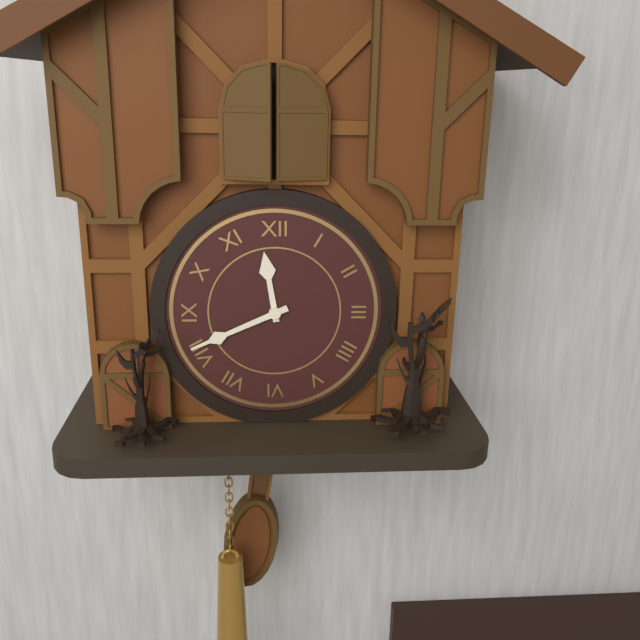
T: 11 h 41 min
